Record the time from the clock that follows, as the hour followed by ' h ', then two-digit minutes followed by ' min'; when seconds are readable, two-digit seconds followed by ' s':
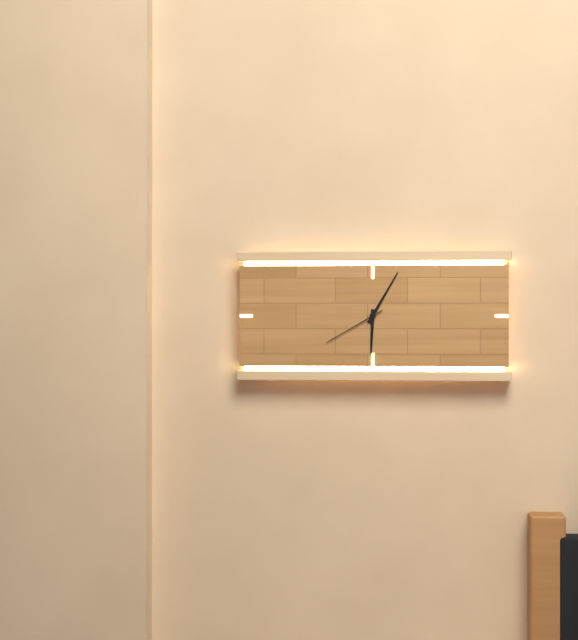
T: 6 h 05 min 40 s
